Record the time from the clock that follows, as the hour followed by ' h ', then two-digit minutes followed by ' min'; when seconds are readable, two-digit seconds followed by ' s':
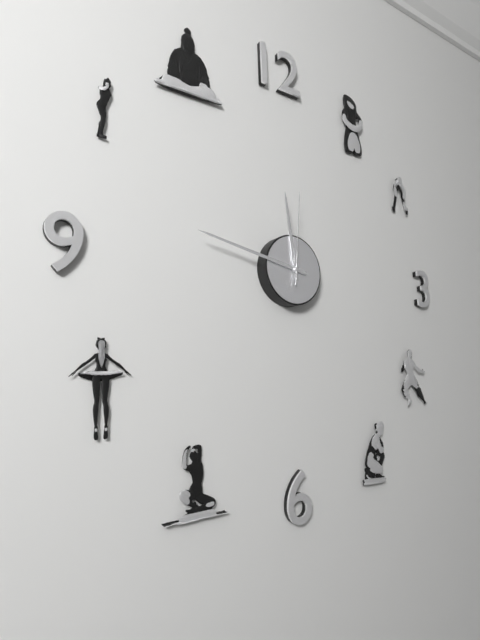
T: 11 h 47 min 01 s
